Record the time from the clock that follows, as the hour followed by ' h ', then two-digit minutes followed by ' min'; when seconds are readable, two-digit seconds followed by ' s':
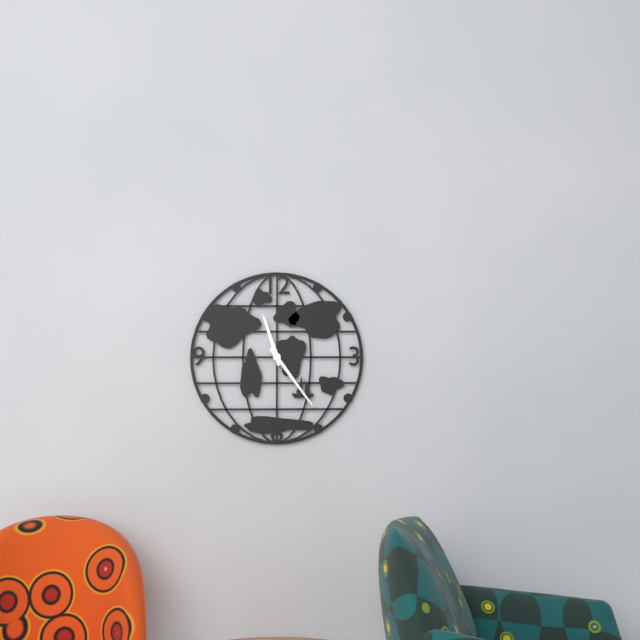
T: 11 h 24 min
